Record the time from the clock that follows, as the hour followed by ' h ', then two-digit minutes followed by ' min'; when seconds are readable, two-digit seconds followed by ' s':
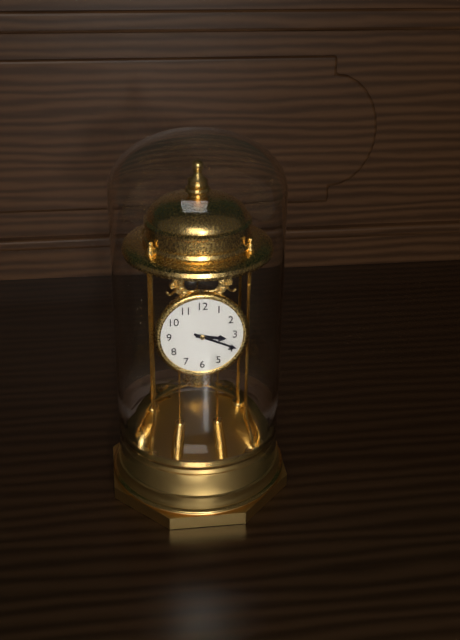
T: 3 h 19 min
